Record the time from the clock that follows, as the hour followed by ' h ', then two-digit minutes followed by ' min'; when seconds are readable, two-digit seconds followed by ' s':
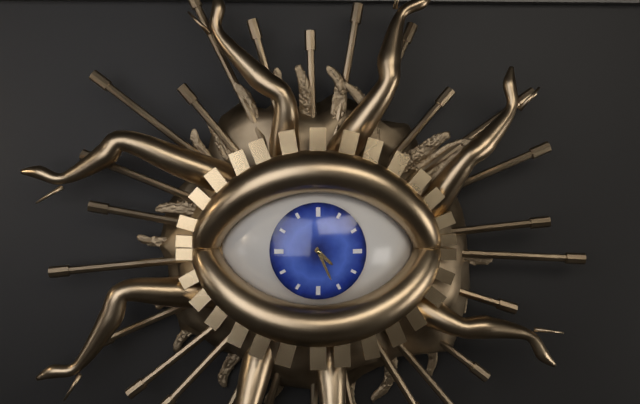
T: 4 h 26 min
